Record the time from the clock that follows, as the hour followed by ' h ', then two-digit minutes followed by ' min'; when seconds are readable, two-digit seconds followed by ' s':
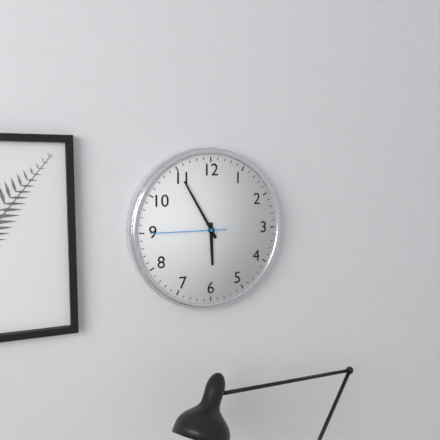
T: 5 h 55 min 45 s
